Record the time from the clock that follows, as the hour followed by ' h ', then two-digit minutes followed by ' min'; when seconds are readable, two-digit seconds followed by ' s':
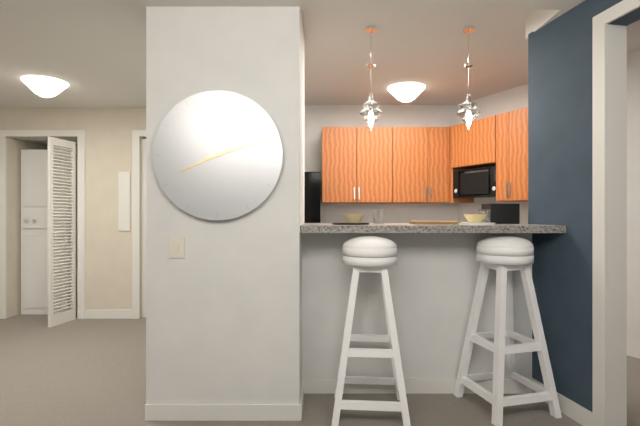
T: 8 h 12 min
